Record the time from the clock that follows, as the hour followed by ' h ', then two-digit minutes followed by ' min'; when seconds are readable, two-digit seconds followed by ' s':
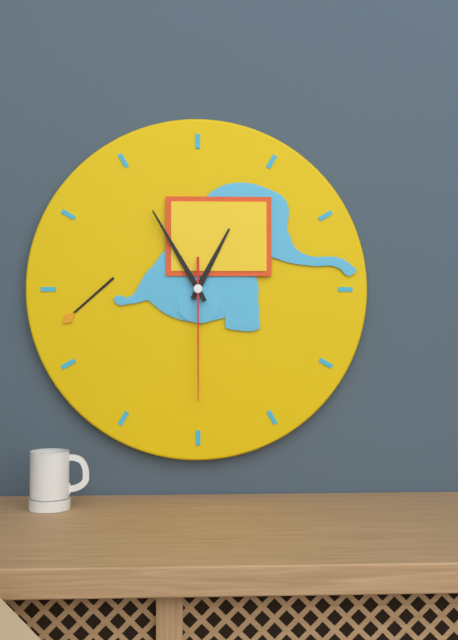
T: 12 h 55 min 30 s
